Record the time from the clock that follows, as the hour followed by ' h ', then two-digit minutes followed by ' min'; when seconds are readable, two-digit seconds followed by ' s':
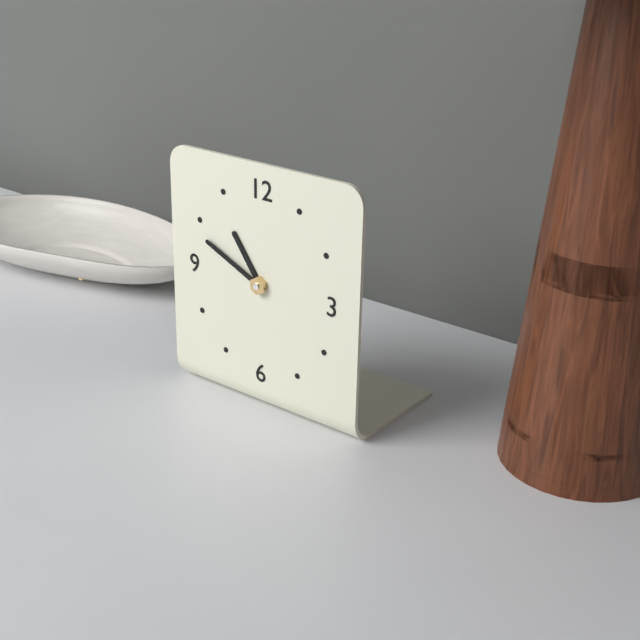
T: 10 h 49 min
